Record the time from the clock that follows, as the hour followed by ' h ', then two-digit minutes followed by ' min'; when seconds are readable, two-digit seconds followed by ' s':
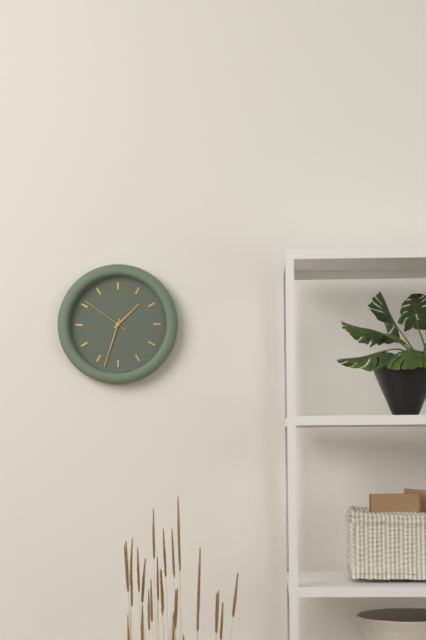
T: 1 h 33 min 51 s
